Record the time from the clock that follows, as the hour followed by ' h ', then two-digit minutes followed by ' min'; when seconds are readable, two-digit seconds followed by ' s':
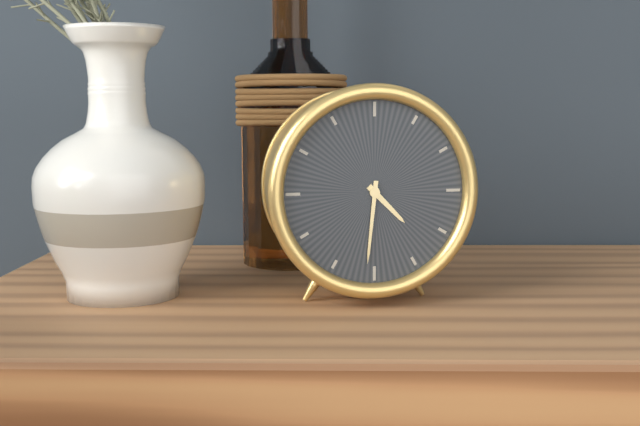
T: 4 h 31 min
